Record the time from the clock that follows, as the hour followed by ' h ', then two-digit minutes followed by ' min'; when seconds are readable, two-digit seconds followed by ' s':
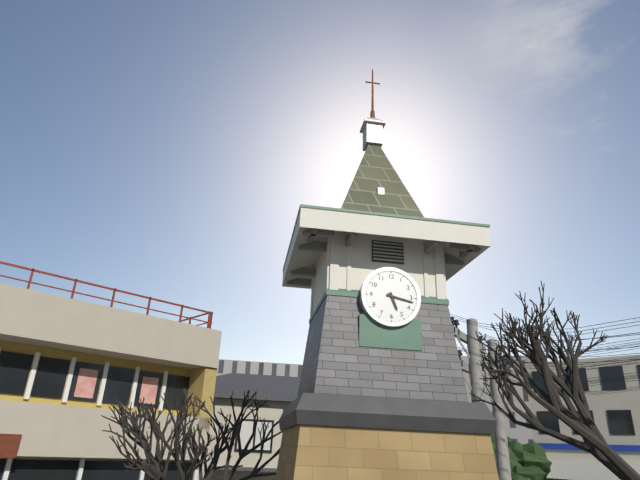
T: 5 h 17 min
